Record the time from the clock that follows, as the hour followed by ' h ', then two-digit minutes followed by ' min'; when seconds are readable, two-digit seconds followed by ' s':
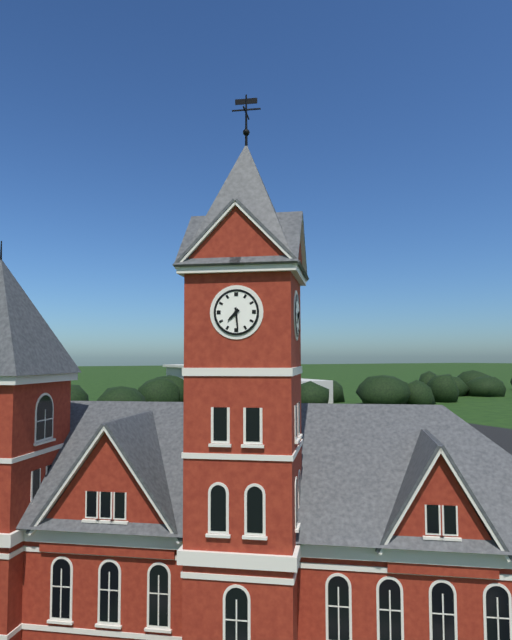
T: 7 h 29 min
